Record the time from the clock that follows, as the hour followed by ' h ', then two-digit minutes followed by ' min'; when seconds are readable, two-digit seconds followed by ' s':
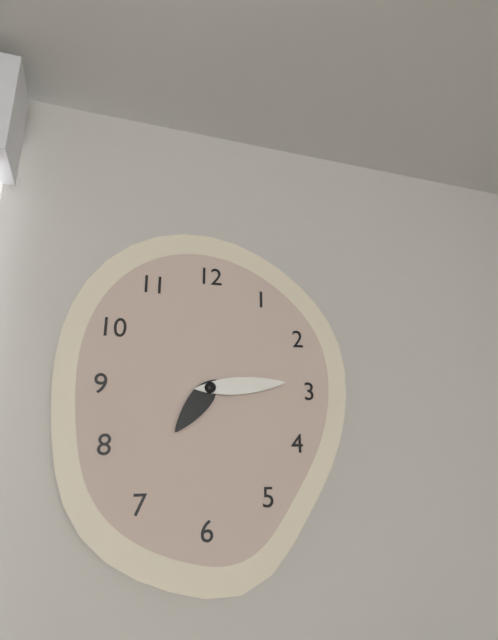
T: 7 h 14 min
